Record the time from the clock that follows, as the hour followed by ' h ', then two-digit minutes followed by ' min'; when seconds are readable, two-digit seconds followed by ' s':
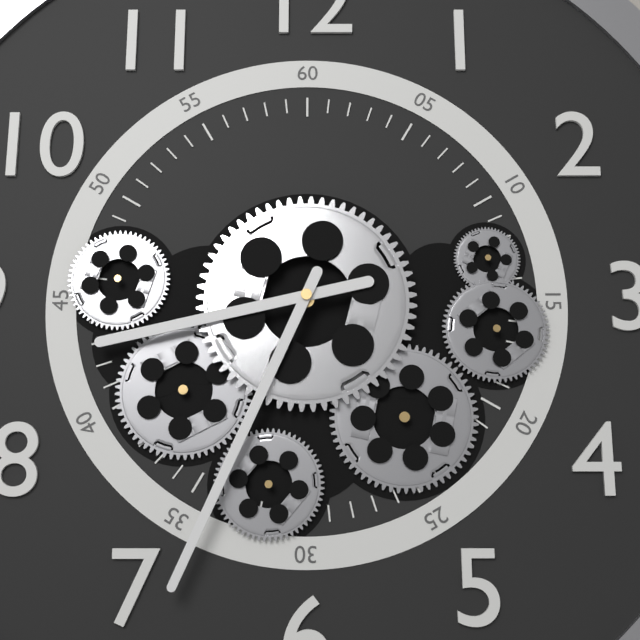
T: 8 h 34 min
